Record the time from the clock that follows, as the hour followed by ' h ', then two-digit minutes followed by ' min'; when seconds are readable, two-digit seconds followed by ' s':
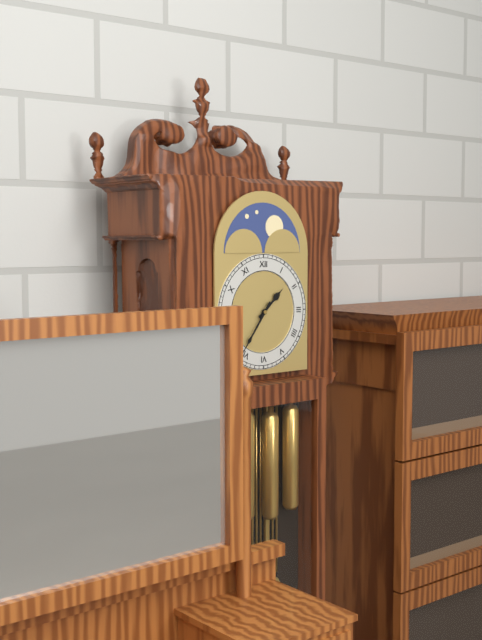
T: 1 h 36 min
